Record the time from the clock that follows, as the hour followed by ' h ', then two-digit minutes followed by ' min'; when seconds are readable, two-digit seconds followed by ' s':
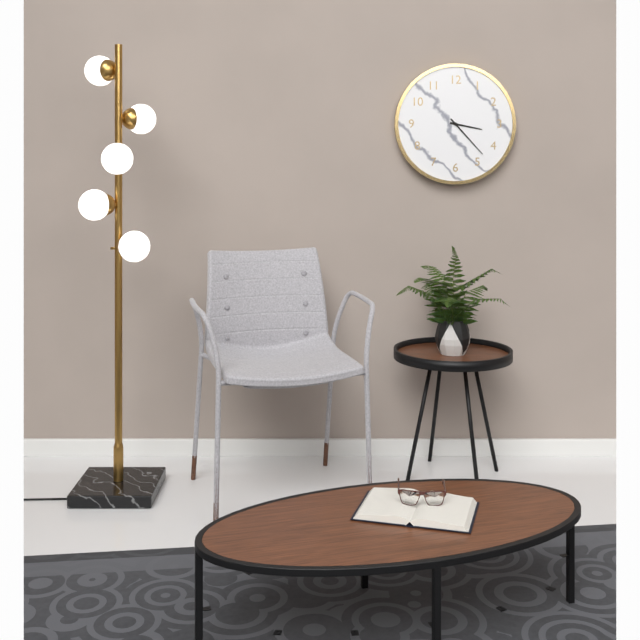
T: 3 h 23 min
